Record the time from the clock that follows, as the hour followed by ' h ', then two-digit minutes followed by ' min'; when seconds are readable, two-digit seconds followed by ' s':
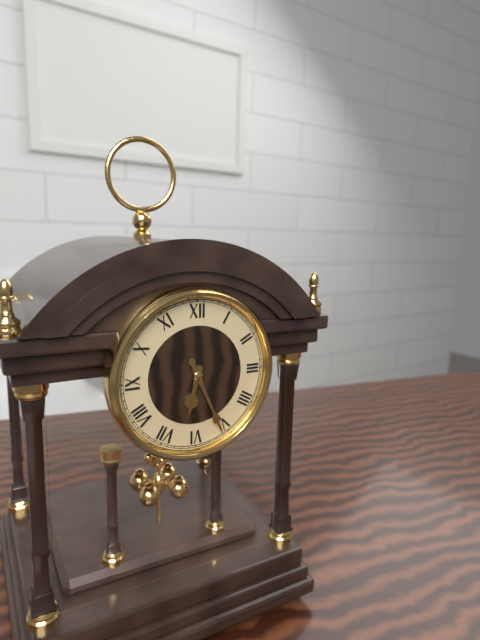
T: 6 h 26 min
